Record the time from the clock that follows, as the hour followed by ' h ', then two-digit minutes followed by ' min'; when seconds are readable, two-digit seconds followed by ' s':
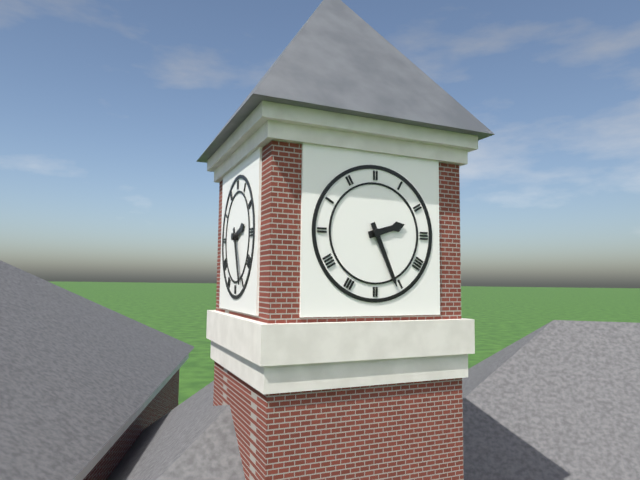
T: 2 h 26 min
